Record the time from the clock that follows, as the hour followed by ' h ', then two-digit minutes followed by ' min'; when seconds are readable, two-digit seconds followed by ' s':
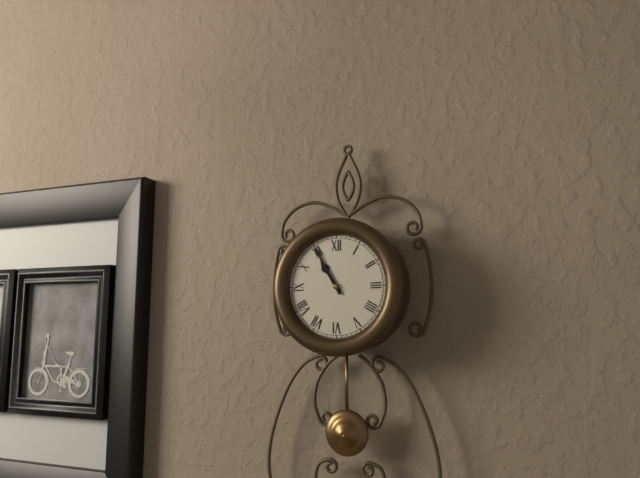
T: 10 h 55 min
